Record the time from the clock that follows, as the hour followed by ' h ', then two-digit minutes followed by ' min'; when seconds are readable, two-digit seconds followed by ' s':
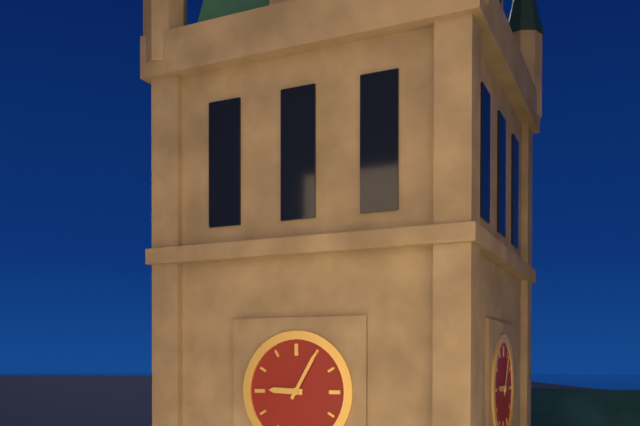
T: 9 h 05 min
